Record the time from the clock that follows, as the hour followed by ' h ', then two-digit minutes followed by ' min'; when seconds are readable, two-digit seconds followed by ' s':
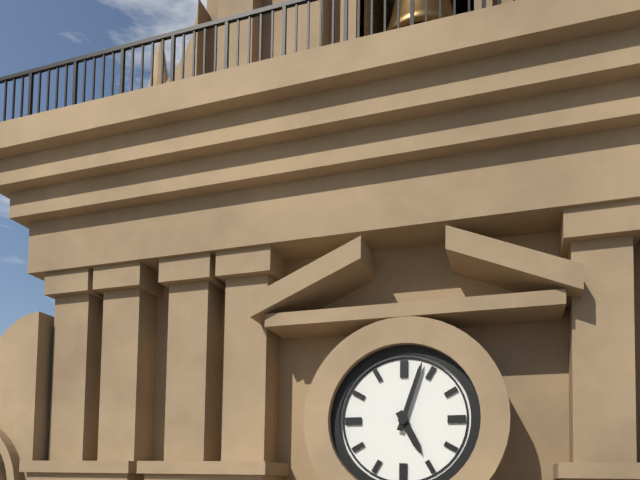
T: 5 h 03 min
